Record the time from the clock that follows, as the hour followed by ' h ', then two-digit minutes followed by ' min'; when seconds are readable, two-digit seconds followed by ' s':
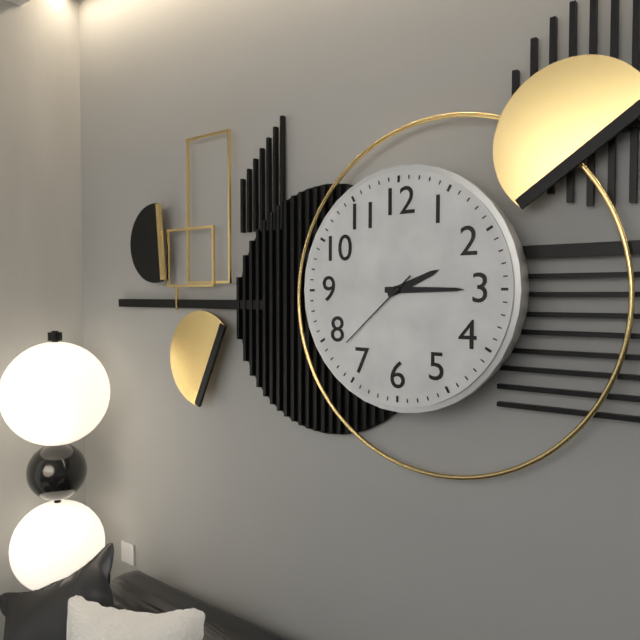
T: 2 h 15 min 38 s
